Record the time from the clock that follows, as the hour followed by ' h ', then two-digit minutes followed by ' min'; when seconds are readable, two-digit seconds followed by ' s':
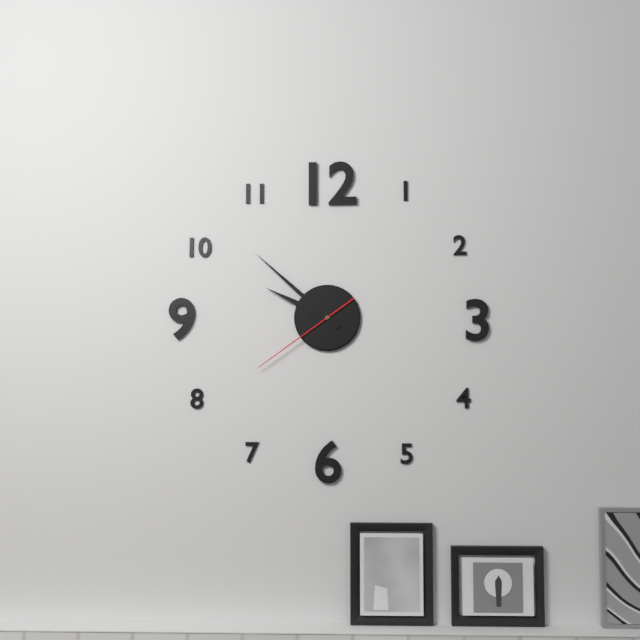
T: 9 h 52 min 39 s
